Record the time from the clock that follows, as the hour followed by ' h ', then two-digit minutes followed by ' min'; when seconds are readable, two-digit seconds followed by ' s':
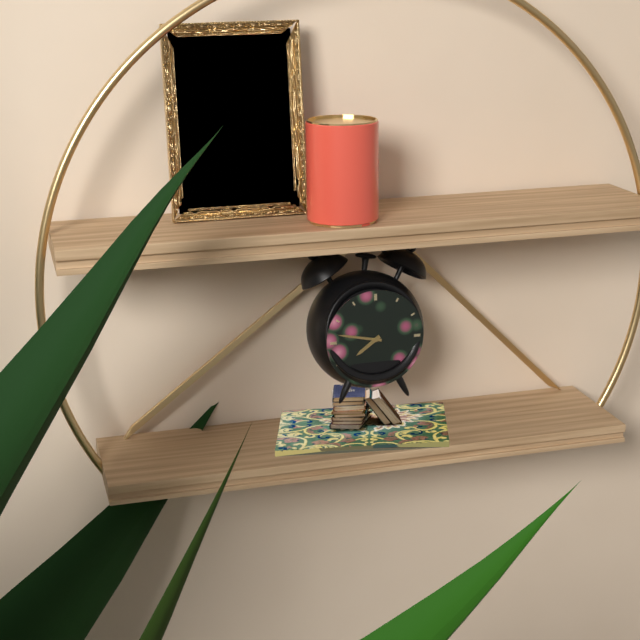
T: 7 h 47 min
